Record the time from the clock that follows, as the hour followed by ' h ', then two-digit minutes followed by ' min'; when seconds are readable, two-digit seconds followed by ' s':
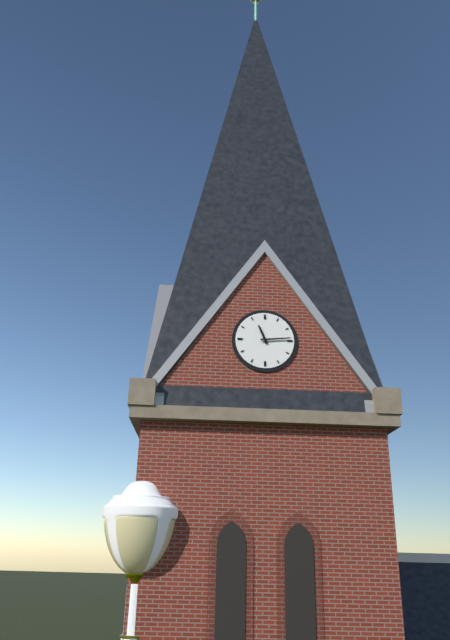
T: 11 h 14 min
